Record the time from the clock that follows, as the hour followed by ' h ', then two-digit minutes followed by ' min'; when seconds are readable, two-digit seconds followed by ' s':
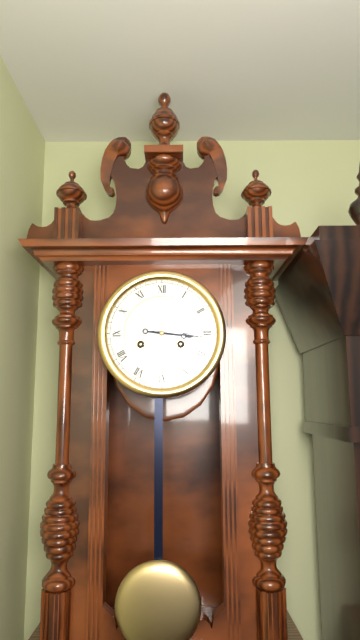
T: 3 h 16 min
